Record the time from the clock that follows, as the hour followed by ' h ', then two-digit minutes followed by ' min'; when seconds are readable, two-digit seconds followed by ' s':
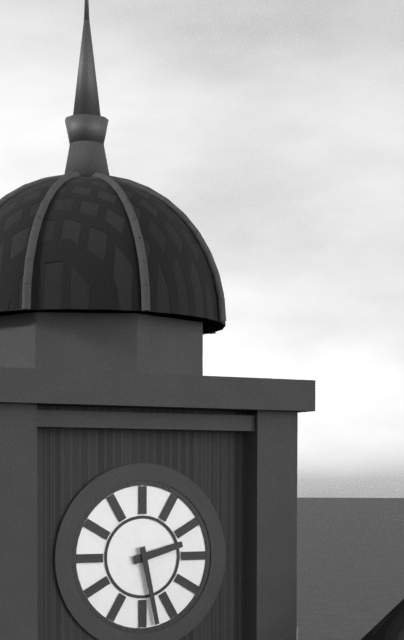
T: 2 h 28 min
